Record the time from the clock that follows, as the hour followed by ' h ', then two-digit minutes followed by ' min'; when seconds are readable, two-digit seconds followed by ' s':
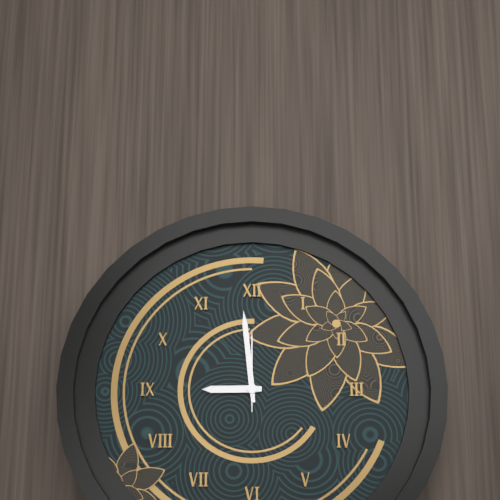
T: 8 h 59 min 00 s
